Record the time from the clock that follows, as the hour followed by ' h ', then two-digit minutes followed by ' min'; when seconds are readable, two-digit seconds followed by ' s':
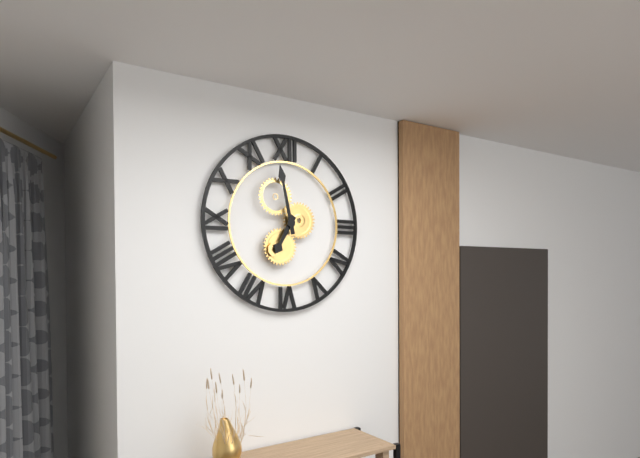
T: 6 h 58 min
